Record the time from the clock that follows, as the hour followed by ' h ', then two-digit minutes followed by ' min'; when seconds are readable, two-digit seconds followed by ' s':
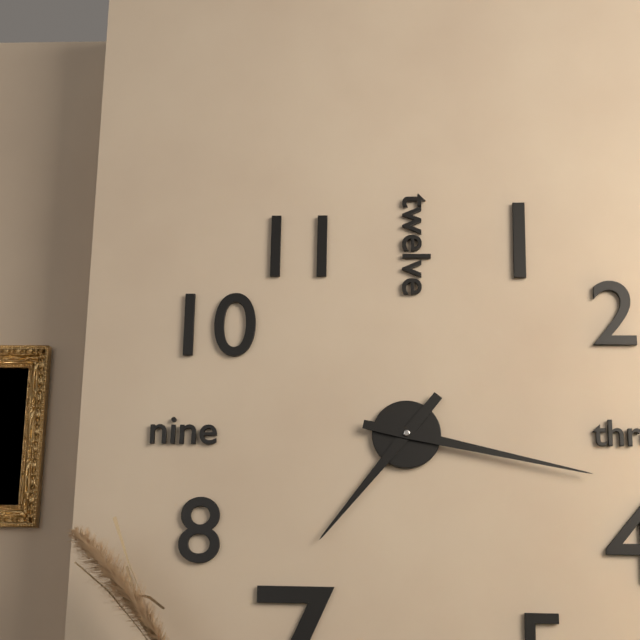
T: 7 h 17 min
